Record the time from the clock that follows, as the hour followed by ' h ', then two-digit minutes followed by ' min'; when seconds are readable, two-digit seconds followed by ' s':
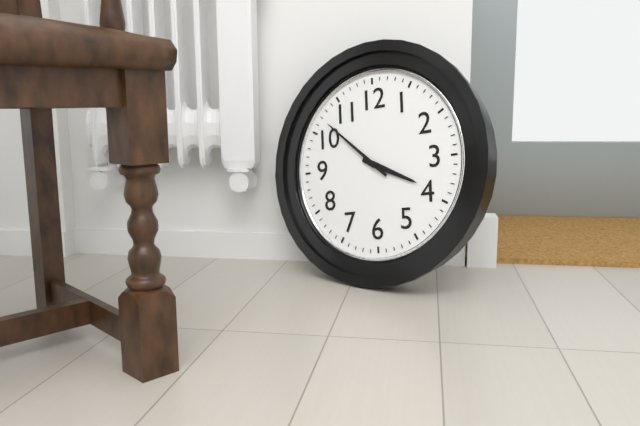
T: 3 h 52 min
